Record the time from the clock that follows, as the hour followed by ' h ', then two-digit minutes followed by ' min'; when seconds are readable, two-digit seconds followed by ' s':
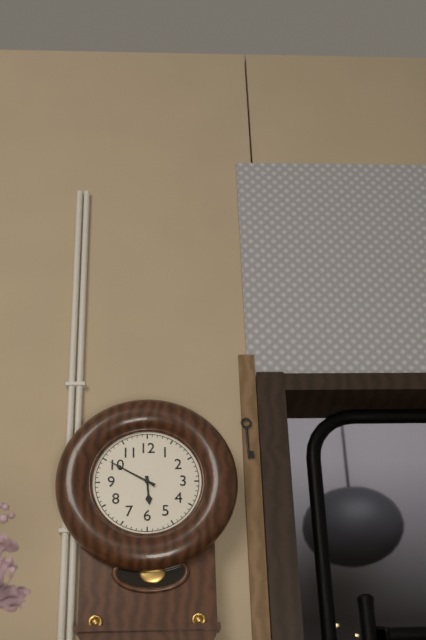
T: 5 h 50 min
